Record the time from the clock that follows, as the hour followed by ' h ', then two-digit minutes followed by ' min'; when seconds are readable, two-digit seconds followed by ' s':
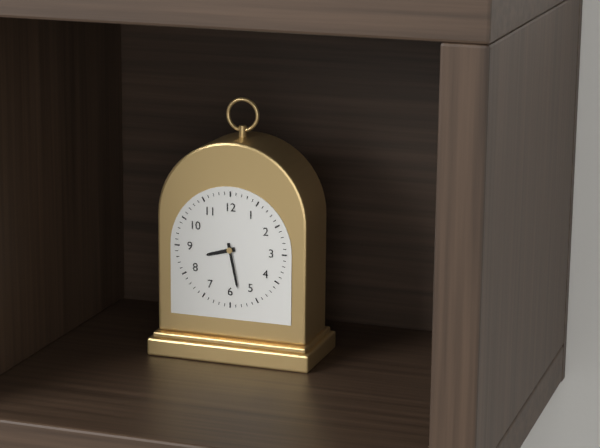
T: 8 h 28 min
